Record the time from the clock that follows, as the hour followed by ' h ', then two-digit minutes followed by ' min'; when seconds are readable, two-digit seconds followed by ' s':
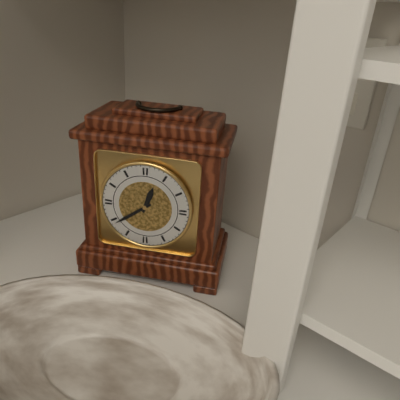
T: 12 h 39 min
